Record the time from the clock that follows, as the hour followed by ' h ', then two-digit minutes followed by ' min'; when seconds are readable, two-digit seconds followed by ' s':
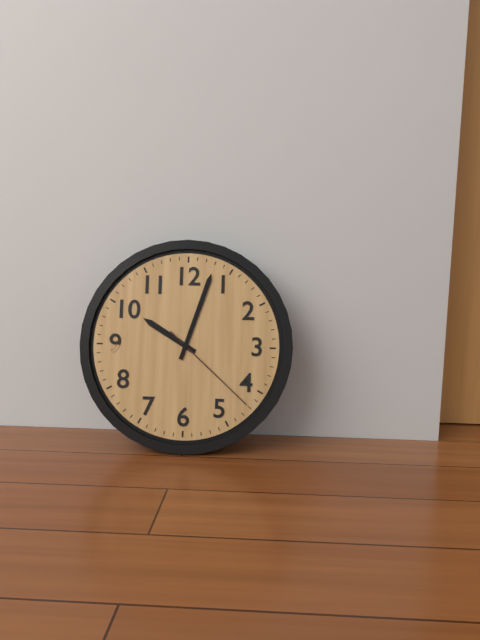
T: 10 h 03 min 22 s
